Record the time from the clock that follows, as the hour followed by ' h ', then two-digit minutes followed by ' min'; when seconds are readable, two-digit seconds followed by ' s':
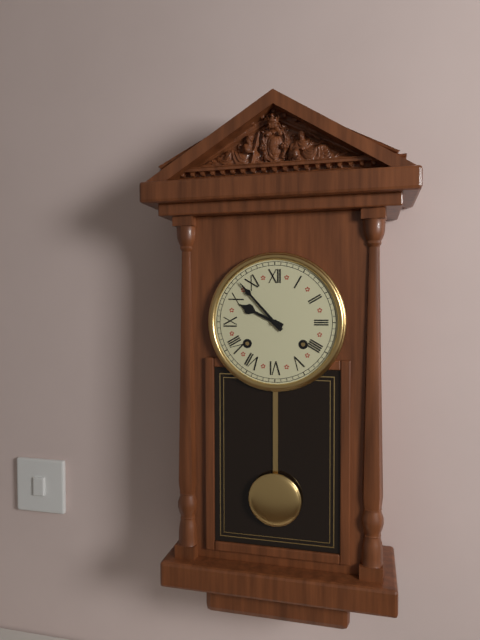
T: 9 h 53 min
